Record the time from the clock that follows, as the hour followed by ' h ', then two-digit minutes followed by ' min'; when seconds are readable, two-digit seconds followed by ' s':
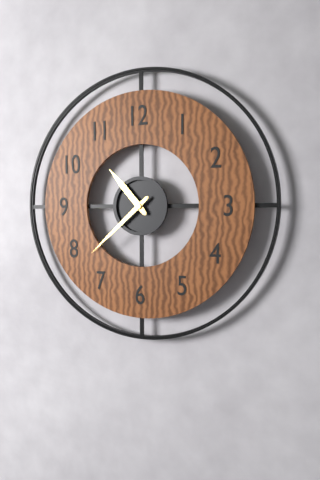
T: 10 h 38 min
